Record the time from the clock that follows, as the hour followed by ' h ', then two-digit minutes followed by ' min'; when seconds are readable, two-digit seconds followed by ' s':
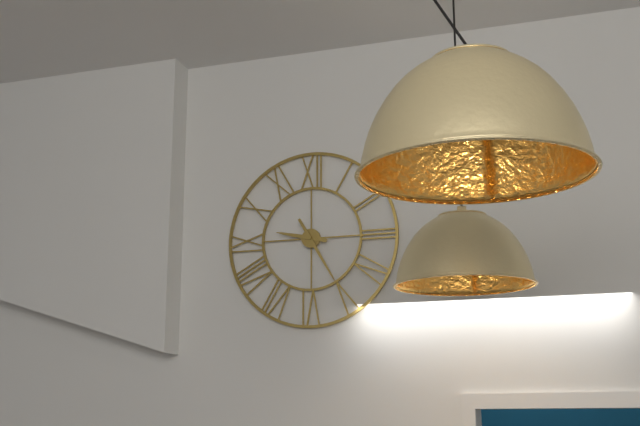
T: 9 h 25 min
